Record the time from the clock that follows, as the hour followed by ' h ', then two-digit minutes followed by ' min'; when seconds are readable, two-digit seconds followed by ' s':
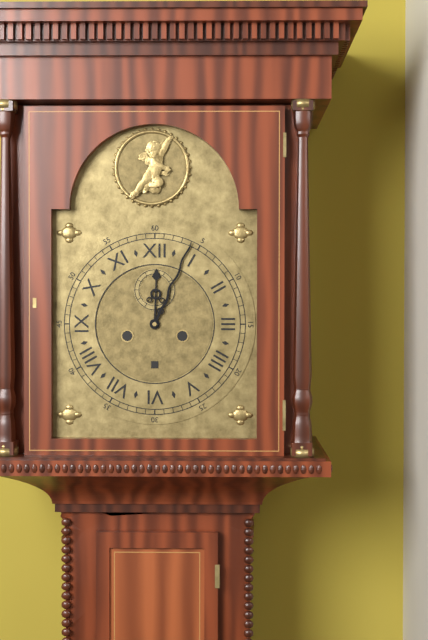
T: 12 h 04 min
